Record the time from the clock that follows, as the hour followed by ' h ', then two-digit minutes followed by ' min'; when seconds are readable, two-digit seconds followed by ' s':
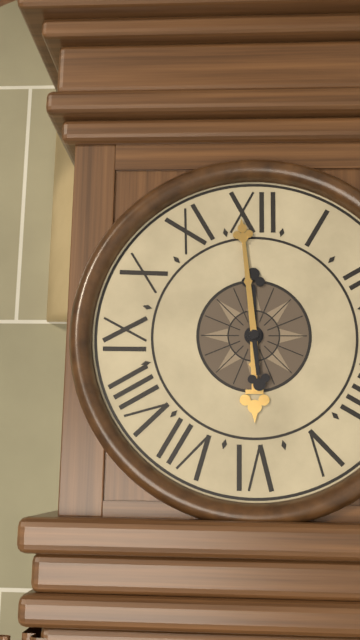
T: 5 h 59 min
